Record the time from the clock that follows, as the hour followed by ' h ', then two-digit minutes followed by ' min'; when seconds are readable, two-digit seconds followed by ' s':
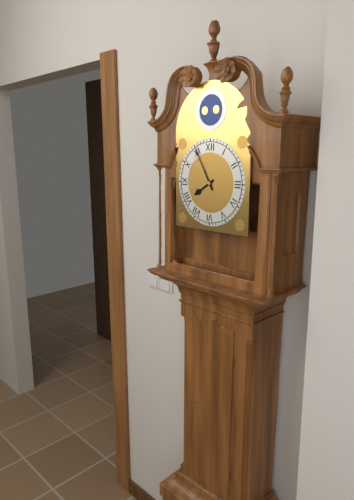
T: 7 h 55 min
